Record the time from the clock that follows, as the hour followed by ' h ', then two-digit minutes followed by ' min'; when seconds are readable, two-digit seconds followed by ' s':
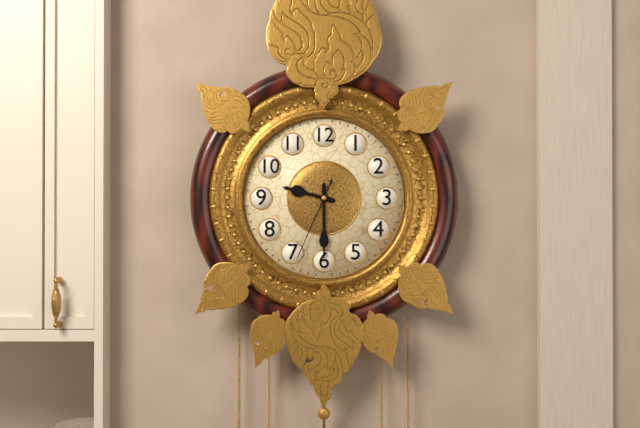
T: 9 h 30 min 34 s
